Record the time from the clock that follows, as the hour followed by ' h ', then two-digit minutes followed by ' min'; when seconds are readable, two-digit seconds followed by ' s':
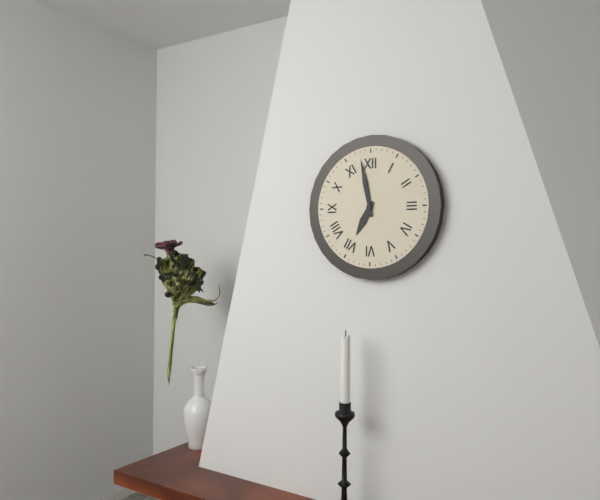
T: 6 h 58 min
